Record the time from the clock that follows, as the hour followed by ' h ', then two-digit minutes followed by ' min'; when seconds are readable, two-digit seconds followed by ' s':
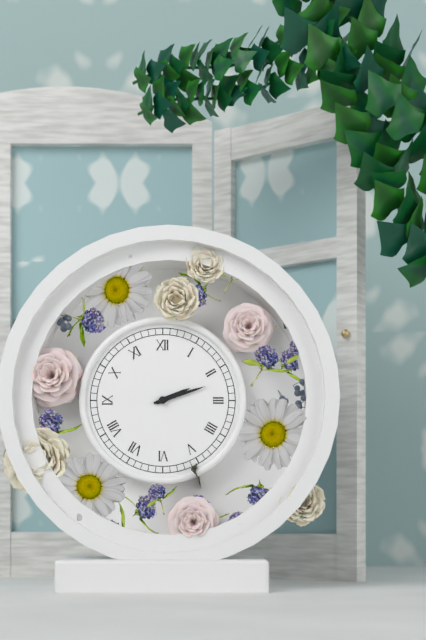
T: 2 h 12 min
